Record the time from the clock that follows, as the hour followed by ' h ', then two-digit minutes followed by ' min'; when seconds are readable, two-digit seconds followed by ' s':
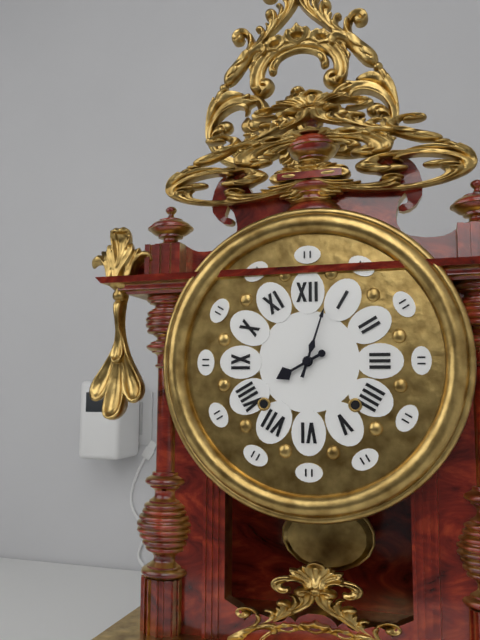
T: 8 h 03 min
